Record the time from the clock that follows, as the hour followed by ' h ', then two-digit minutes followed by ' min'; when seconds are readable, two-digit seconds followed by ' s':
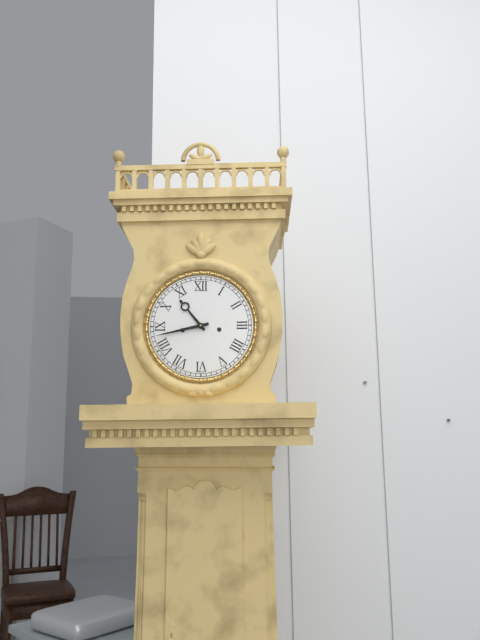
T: 10 h 43 min
